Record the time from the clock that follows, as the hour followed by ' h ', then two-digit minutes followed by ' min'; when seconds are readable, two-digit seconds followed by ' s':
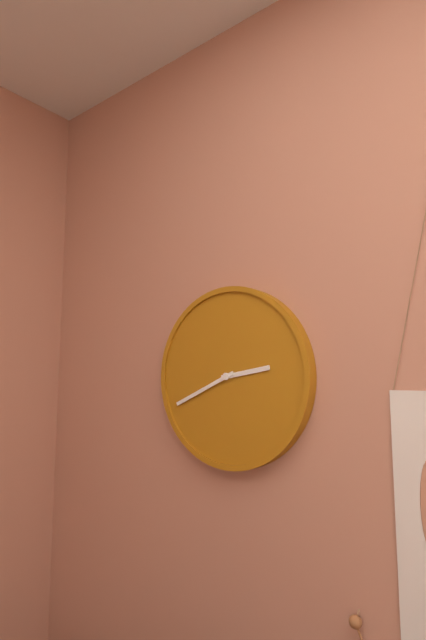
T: 2 h 41 min
